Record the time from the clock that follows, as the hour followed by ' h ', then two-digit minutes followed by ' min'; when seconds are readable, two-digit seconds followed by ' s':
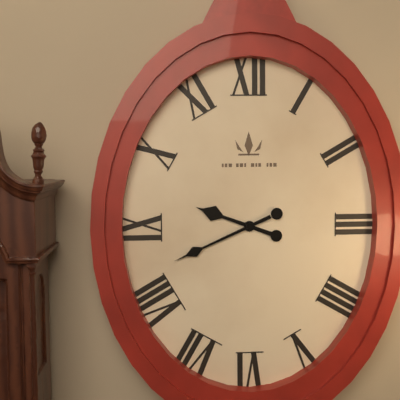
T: 9 h 41 min
